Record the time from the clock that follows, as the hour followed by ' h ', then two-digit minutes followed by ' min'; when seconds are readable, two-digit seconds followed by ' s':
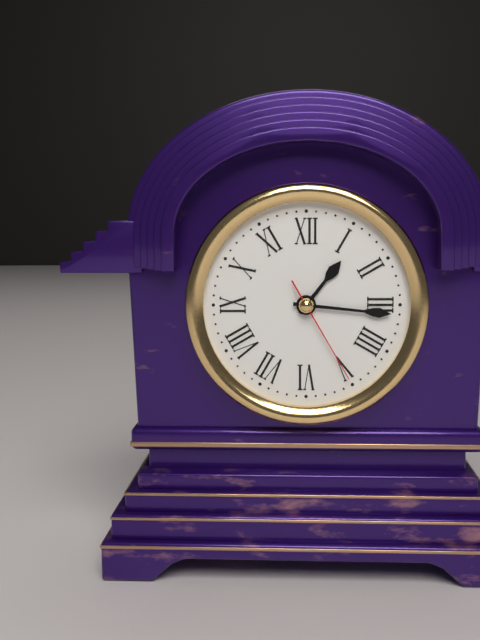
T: 1 h 16 min 25 s
